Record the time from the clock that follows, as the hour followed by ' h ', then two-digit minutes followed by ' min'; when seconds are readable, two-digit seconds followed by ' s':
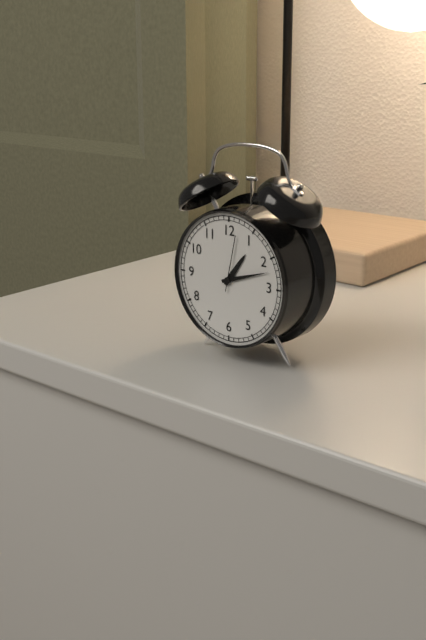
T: 1 h 12 min 02 s
